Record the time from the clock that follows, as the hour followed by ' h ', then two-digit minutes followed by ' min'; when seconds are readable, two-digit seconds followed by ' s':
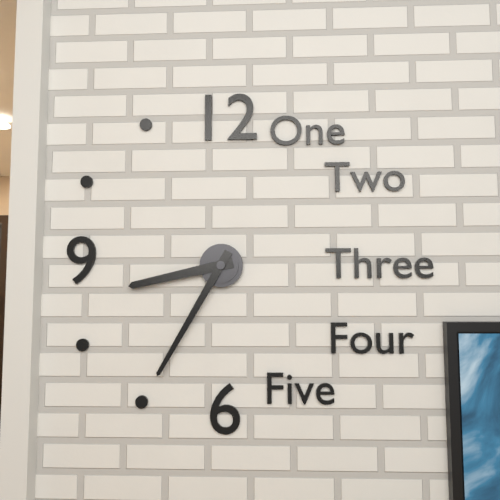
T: 8 h 35 min
